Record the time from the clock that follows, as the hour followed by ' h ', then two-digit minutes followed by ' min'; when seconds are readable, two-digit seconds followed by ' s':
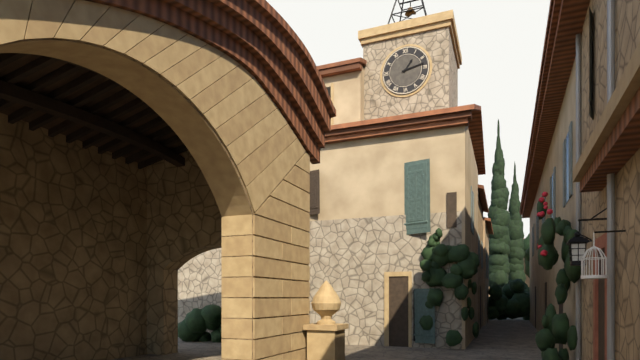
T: 1 h 13 min
